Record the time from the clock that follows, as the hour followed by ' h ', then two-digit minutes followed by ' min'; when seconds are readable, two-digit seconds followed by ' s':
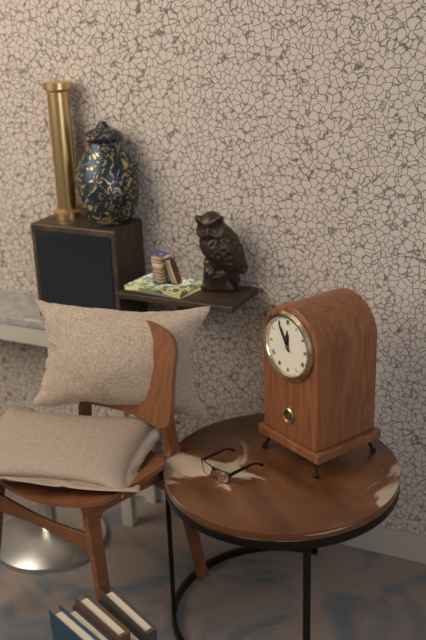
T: 11 h 55 min
